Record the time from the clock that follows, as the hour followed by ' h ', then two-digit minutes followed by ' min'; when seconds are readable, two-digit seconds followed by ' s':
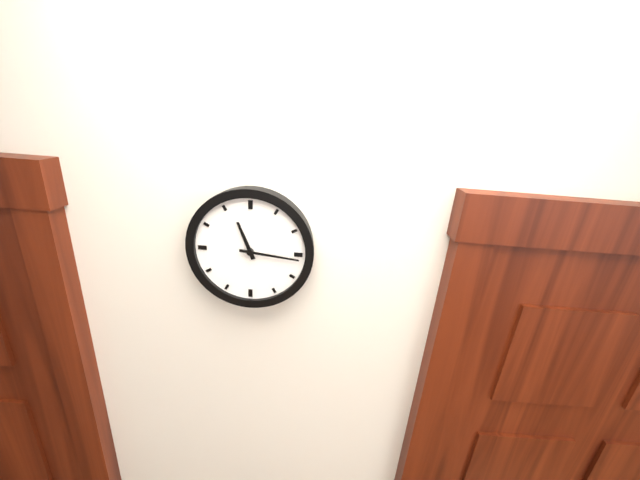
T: 11 h 16 min
